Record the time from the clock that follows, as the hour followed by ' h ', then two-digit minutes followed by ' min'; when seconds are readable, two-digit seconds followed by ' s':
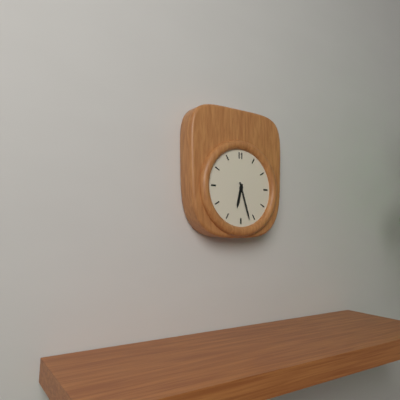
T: 6 h 27 min
